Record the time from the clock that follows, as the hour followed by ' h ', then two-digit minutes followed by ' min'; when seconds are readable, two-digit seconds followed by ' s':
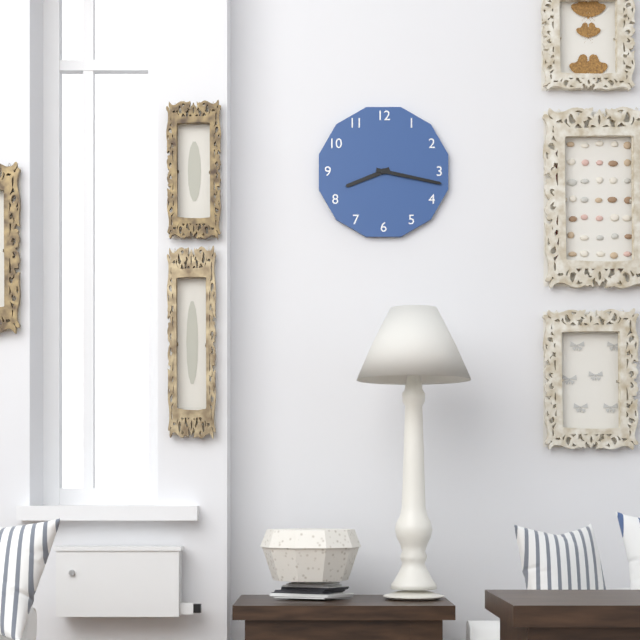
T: 8 h 17 min
